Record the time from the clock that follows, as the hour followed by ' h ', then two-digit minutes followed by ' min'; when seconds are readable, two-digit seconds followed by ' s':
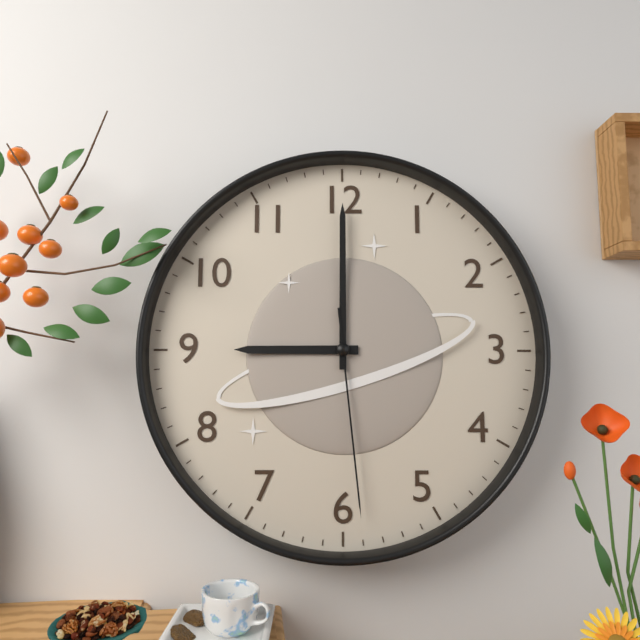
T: 9 h 00 min 29 s
